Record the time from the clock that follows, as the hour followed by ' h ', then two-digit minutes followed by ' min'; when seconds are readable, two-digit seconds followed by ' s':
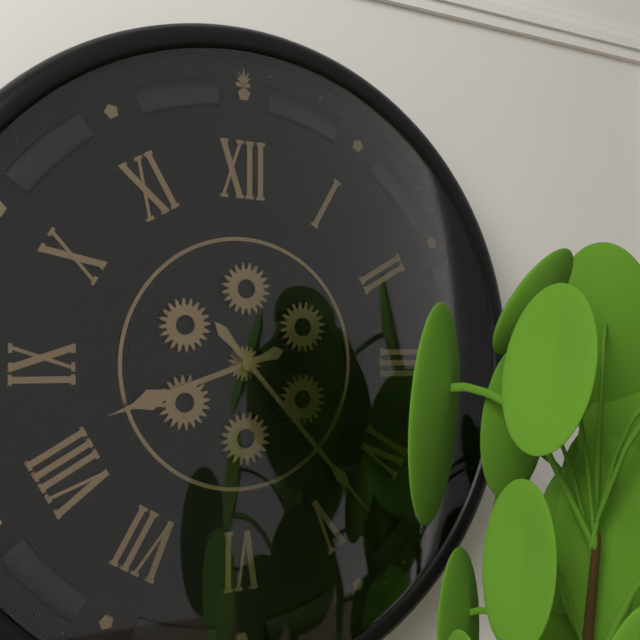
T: 8 h 23 min
